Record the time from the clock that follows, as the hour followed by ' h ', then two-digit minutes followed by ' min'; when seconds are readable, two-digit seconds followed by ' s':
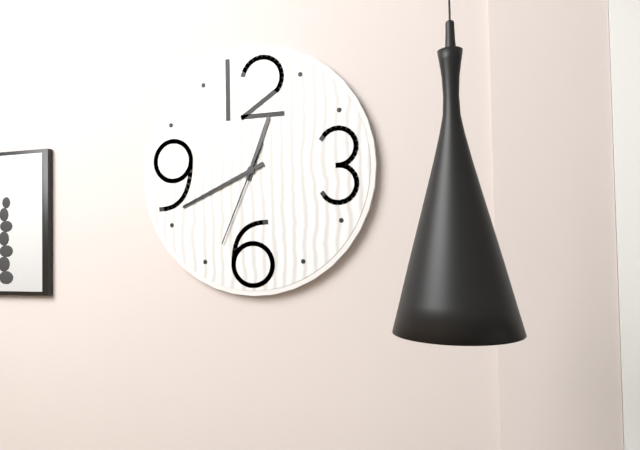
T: 12 h 41 min 34 s
